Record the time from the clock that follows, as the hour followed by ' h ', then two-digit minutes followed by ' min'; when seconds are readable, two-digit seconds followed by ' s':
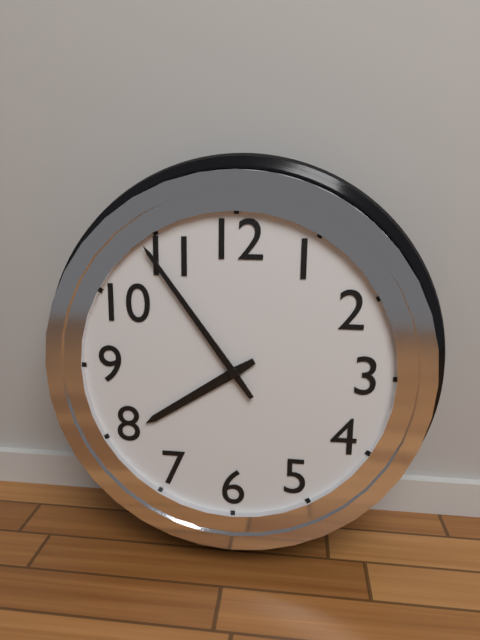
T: 7 h 54 min
